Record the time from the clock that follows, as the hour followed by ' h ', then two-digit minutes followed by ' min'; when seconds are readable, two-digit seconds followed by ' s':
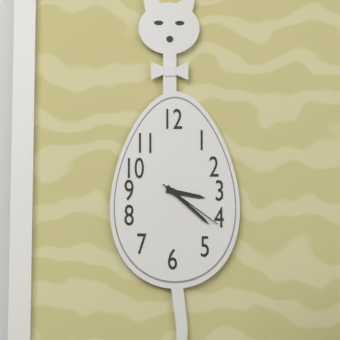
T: 3 h 22 min 21 s
